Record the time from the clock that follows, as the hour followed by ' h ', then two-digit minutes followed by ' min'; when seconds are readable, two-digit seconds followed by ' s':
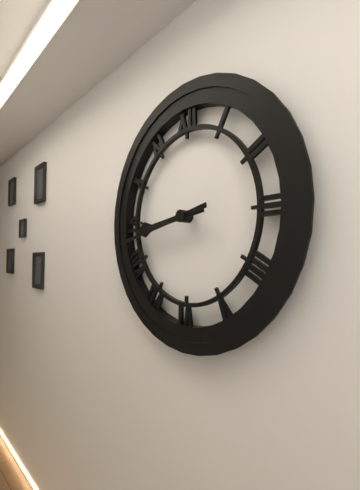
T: 8 h 43 min
